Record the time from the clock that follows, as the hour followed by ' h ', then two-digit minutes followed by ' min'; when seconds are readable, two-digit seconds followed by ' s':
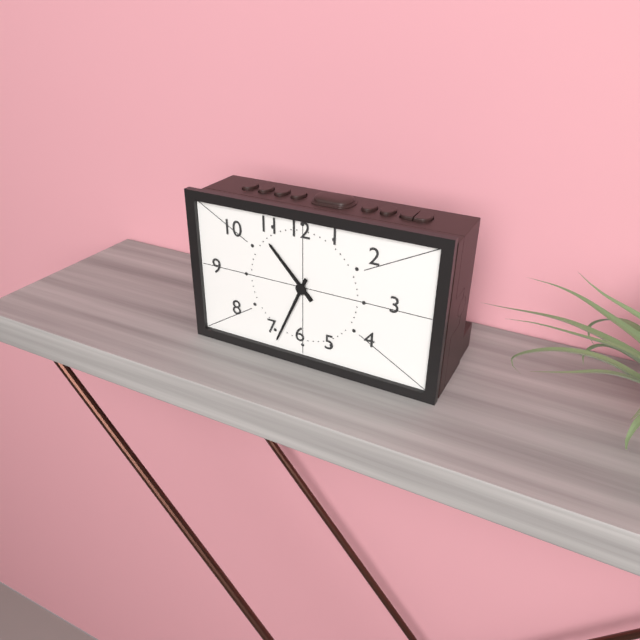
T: 10 h 34 min
